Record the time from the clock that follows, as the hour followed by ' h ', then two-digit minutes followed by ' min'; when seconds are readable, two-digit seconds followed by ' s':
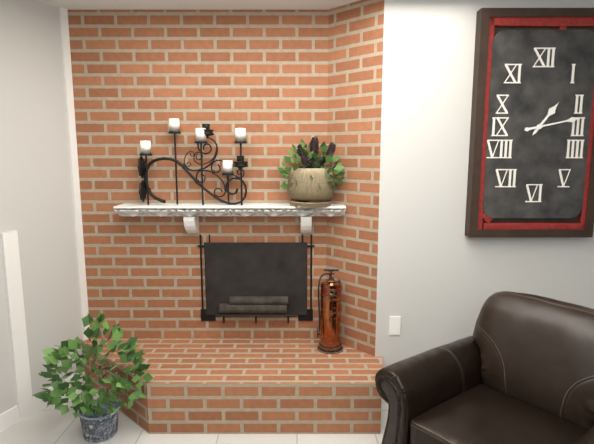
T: 1 h 13 min
